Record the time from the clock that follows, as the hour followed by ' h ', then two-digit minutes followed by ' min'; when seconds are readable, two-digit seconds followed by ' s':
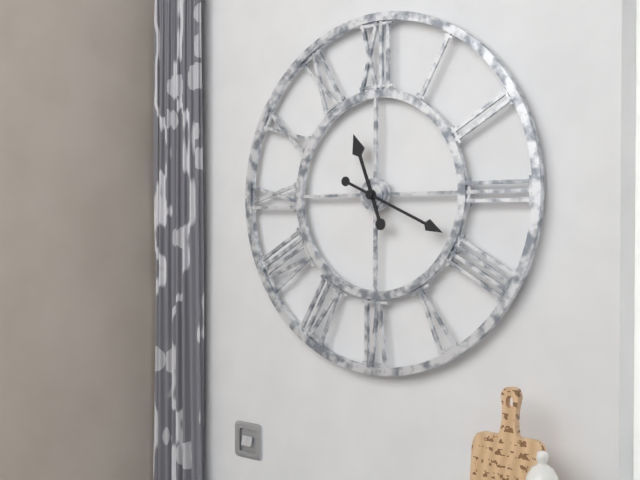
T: 11 h 19 min
